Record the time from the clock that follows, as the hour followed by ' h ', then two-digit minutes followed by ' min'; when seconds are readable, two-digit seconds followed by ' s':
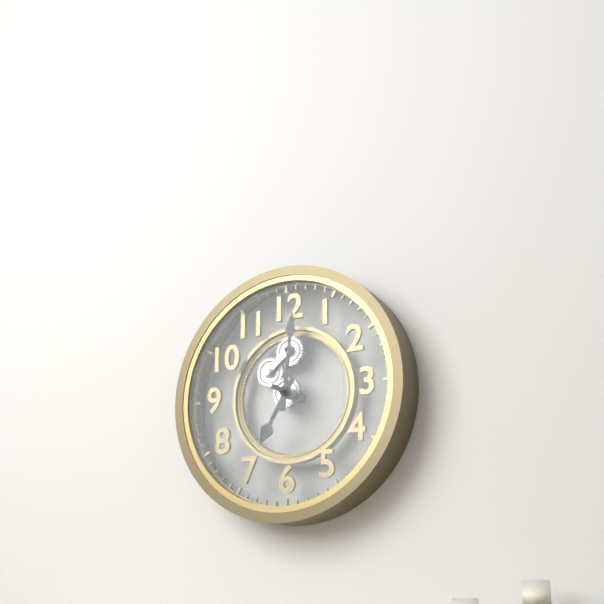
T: 7 h 01 min
